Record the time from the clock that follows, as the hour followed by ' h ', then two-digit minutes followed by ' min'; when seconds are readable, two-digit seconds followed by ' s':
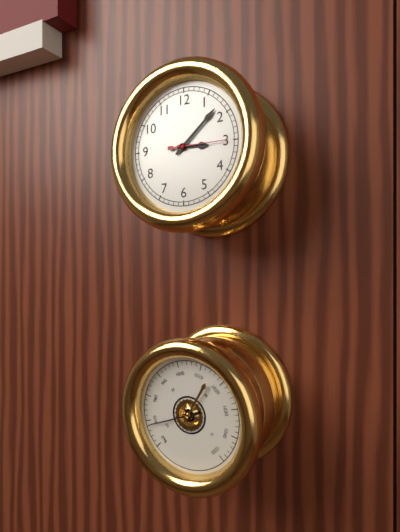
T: 3 h 08 min 15 s
